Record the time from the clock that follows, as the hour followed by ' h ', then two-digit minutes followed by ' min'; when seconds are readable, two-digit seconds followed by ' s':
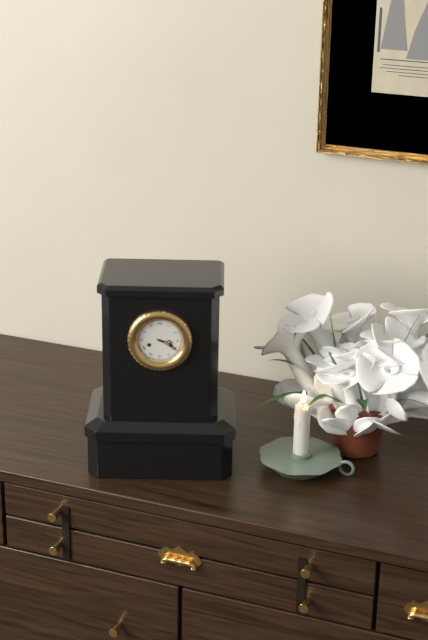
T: 3 h 20 min
